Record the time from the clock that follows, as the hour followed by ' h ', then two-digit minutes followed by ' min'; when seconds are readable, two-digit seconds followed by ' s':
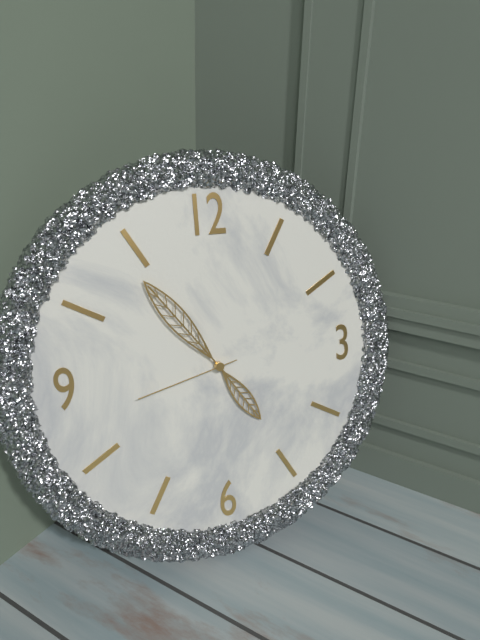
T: 4 h 54 min 43 s
